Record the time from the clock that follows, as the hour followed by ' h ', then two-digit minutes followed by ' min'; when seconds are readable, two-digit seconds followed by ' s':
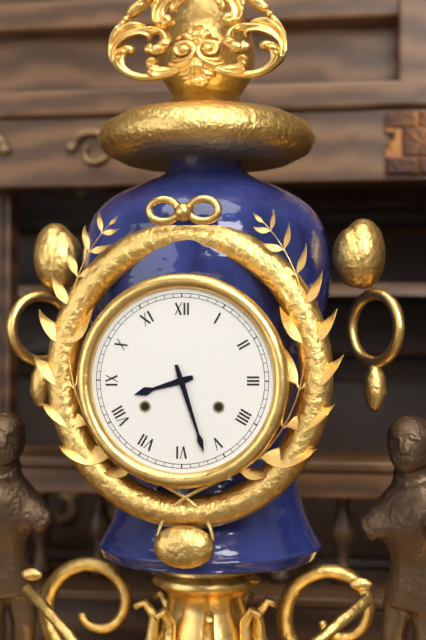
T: 8 h 27 min
